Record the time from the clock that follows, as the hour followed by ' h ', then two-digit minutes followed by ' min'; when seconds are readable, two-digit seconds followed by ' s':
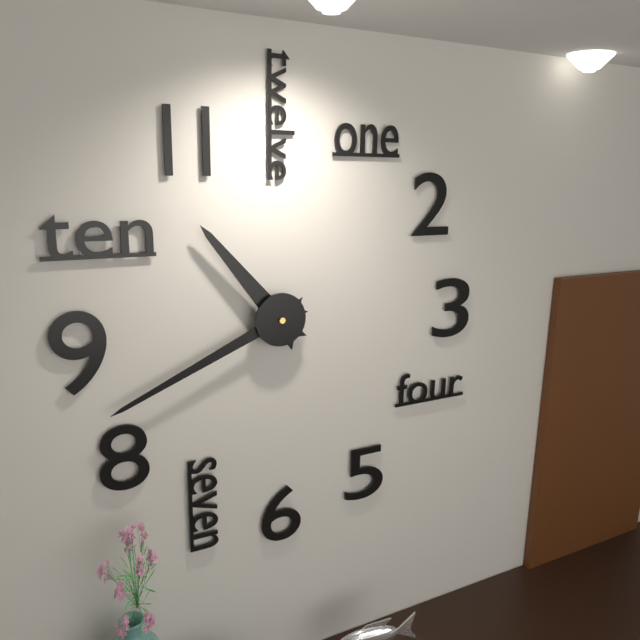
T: 10 h 41 min
